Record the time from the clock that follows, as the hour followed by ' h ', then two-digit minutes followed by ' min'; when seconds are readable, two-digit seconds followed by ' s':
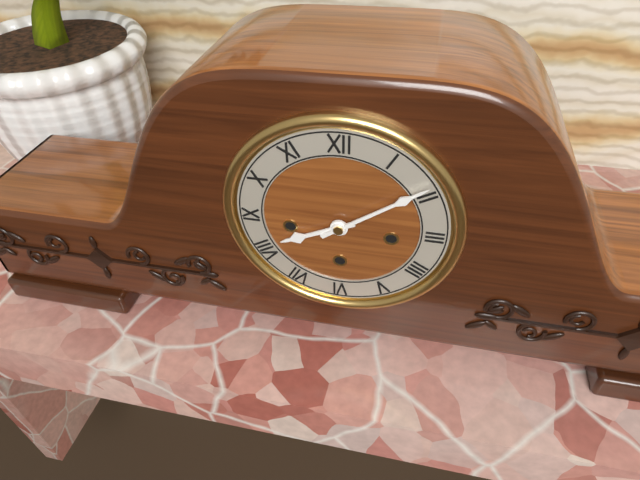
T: 8 h 09 min
